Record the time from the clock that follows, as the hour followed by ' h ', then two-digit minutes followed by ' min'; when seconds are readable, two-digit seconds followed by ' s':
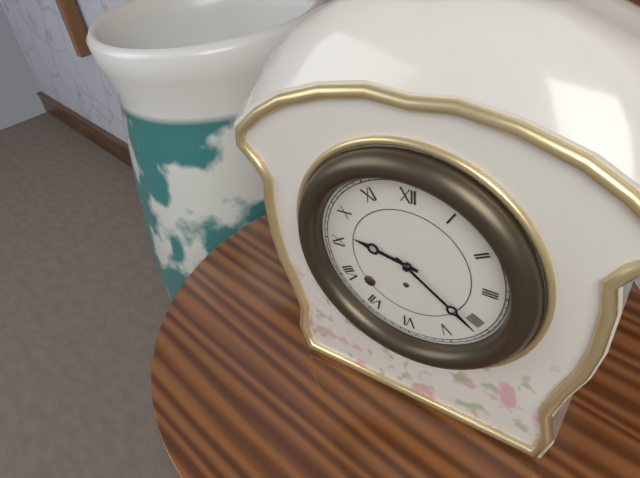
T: 9 h 21 min
